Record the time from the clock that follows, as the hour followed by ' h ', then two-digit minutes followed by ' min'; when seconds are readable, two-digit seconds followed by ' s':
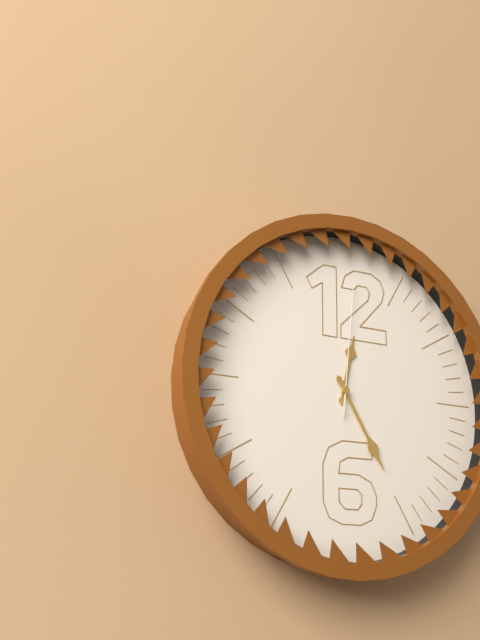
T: 12 h 25 min 01 s
